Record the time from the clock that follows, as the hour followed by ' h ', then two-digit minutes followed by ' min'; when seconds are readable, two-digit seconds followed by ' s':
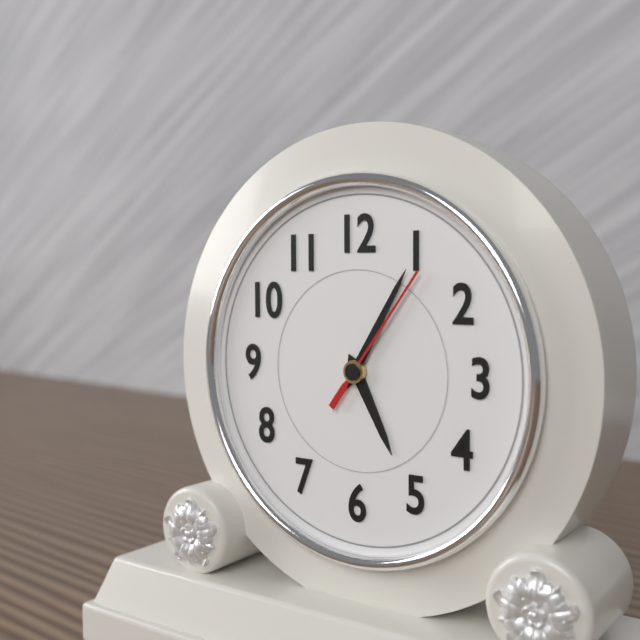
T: 5 h 05 min 06 s
